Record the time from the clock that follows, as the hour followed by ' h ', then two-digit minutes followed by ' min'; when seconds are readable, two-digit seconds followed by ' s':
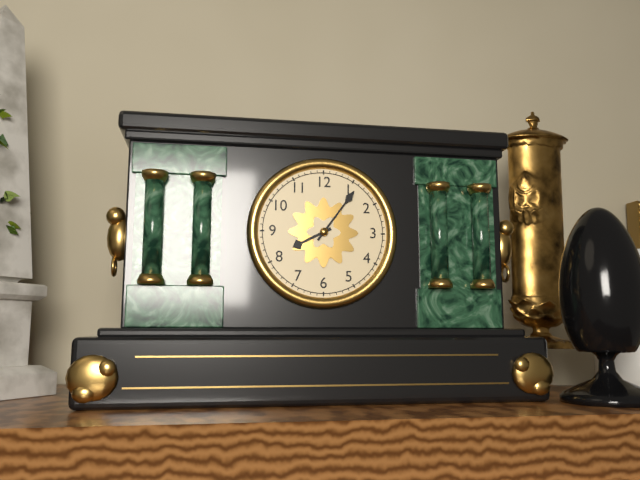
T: 8 h 06 min
